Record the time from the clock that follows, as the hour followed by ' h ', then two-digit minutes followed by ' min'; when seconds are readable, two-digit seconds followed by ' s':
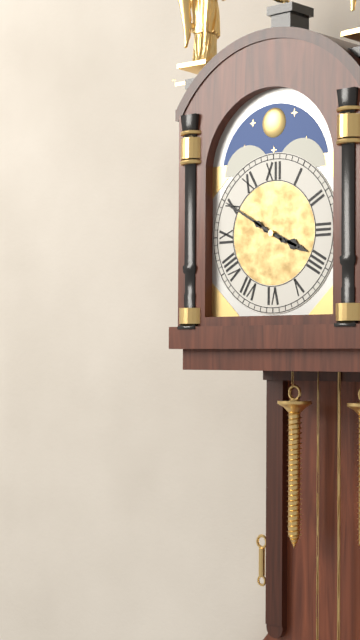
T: 3 h 50 min
